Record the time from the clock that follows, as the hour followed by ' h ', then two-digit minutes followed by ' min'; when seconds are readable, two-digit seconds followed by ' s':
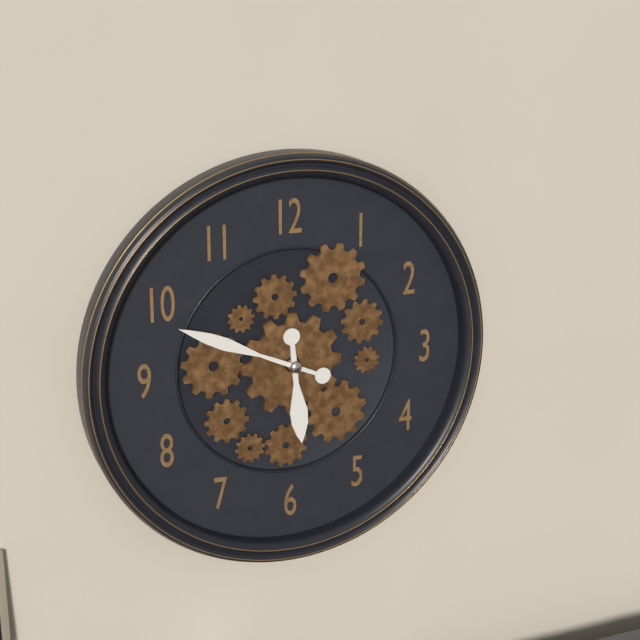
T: 5 h 49 min
